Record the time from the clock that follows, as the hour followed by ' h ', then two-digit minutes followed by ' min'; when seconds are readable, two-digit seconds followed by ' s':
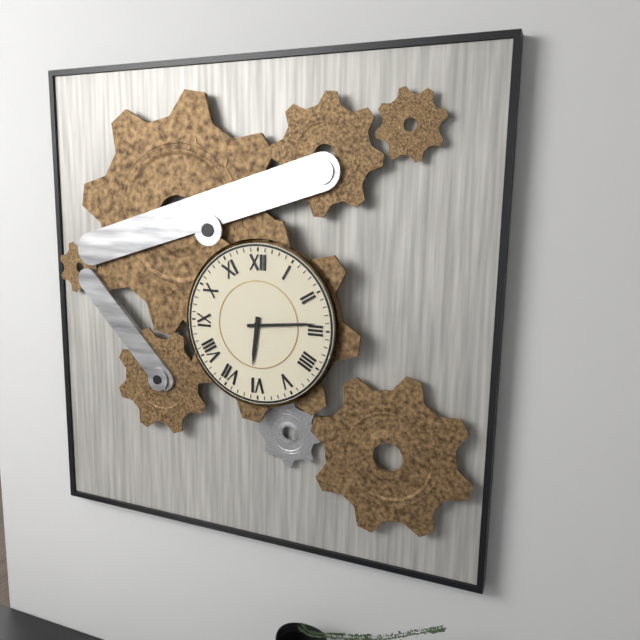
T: 6 h 14 min
